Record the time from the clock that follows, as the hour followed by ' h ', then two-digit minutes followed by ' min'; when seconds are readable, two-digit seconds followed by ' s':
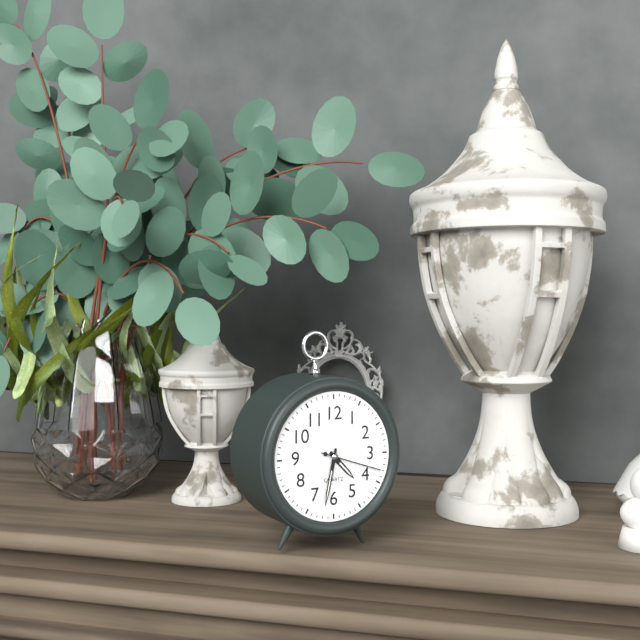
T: 4 h 32 min 18 s
